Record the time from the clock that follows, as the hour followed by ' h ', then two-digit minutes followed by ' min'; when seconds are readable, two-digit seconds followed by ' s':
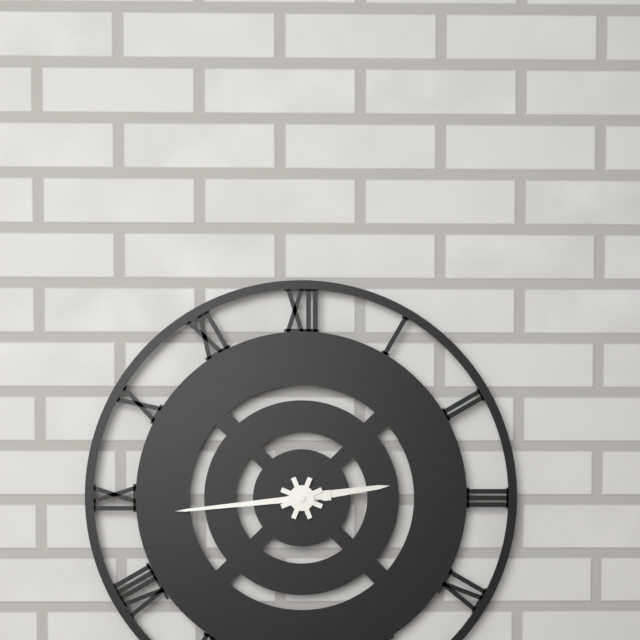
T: 2 h 44 min
